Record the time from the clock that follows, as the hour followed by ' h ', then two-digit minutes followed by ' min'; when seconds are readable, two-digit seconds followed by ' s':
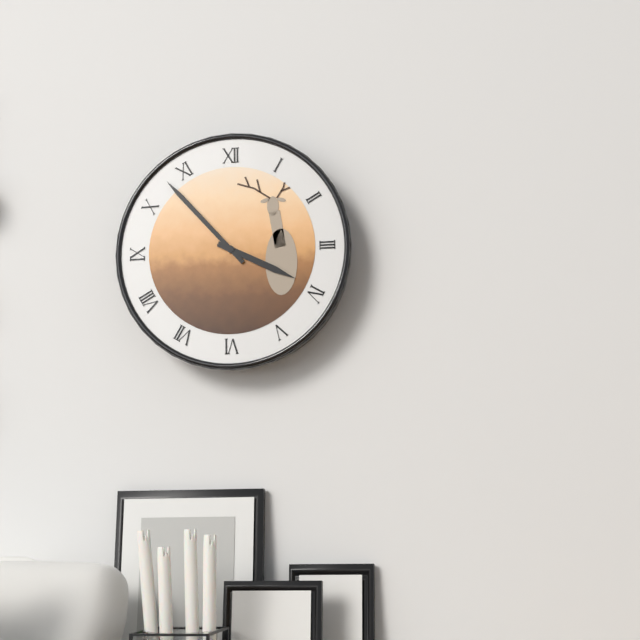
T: 3 h 53 min
